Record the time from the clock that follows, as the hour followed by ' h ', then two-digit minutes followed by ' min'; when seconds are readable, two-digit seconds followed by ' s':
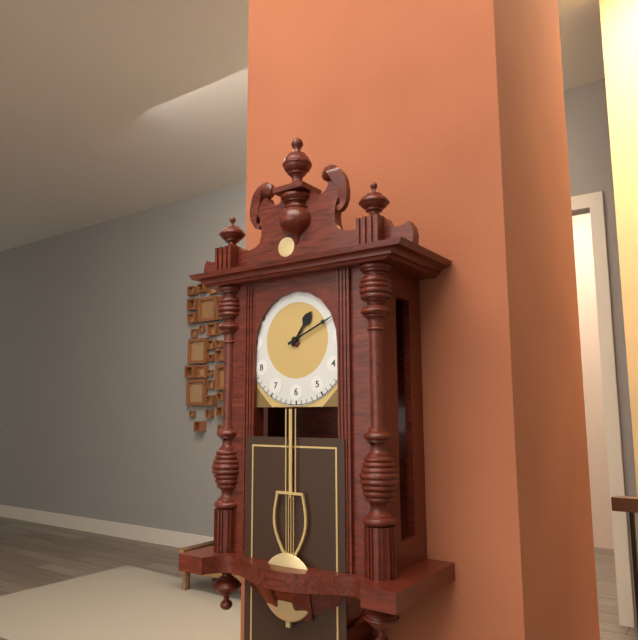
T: 1 h 11 min
